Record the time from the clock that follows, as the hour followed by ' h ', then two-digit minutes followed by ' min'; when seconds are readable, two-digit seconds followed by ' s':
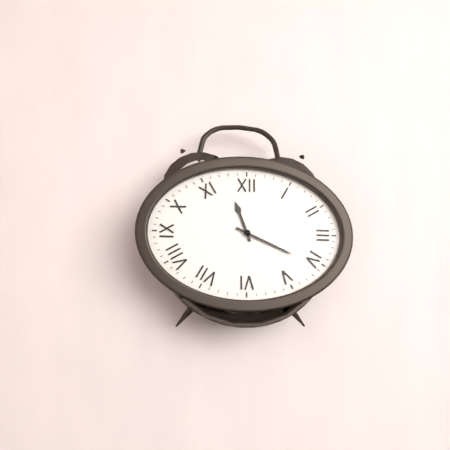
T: 11 h 19 min
